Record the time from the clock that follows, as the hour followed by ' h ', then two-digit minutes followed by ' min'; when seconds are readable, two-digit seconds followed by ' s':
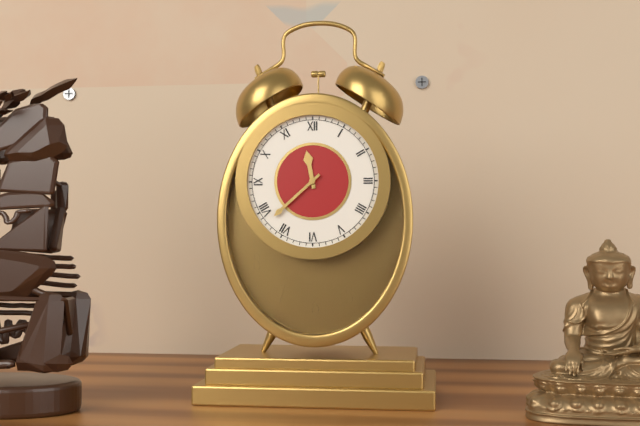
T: 11 h 38 min
